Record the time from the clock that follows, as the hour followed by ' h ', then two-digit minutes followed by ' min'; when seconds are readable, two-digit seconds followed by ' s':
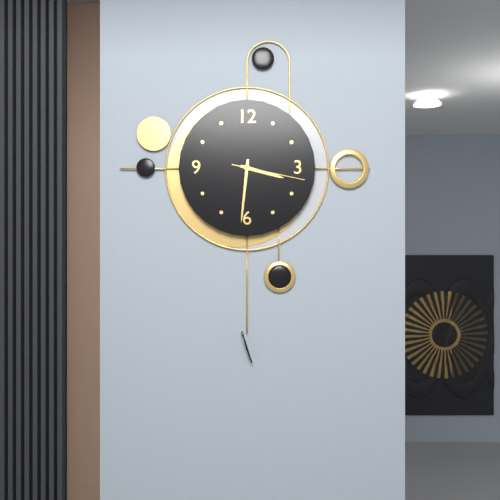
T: 3 h 31 min 17 s
